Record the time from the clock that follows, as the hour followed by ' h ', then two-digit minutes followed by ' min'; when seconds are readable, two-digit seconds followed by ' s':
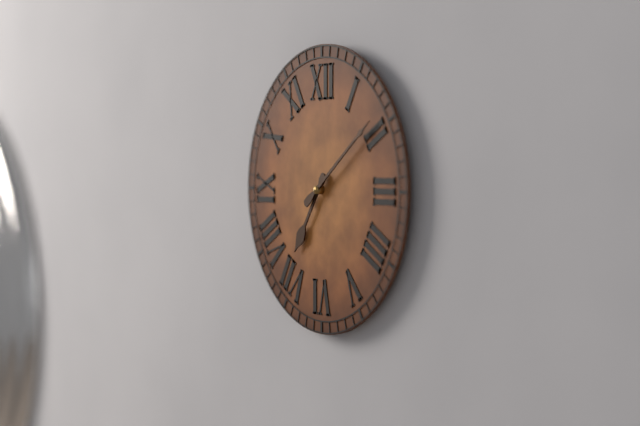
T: 7 h 09 min
